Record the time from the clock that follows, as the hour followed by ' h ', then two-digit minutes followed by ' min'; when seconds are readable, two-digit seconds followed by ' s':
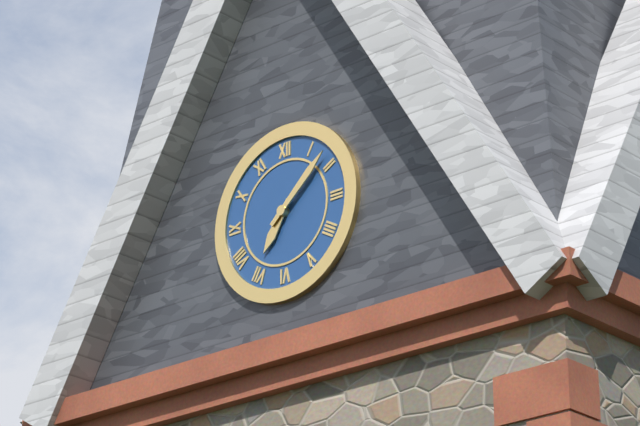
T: 7 h 08 min
